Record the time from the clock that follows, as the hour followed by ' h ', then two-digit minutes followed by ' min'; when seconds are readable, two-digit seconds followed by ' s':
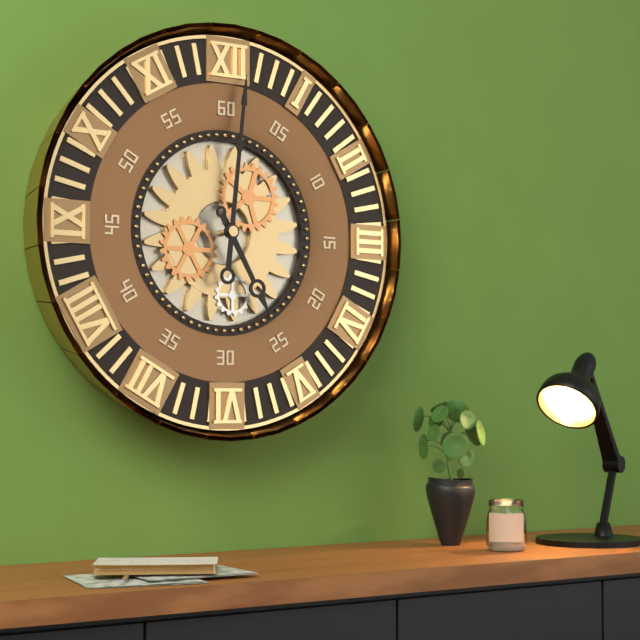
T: 5 h 01 min
